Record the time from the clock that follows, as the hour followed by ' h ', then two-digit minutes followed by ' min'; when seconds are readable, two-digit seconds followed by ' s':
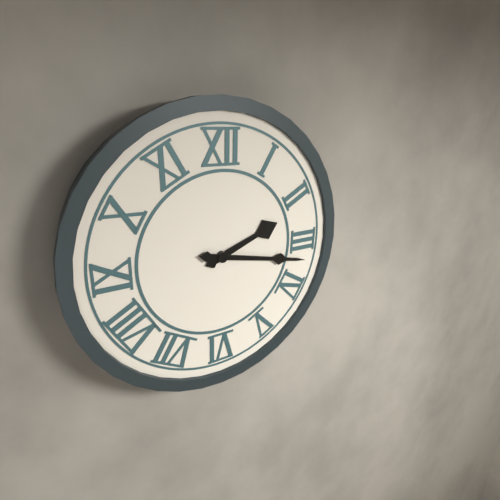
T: 2 h 17 min
